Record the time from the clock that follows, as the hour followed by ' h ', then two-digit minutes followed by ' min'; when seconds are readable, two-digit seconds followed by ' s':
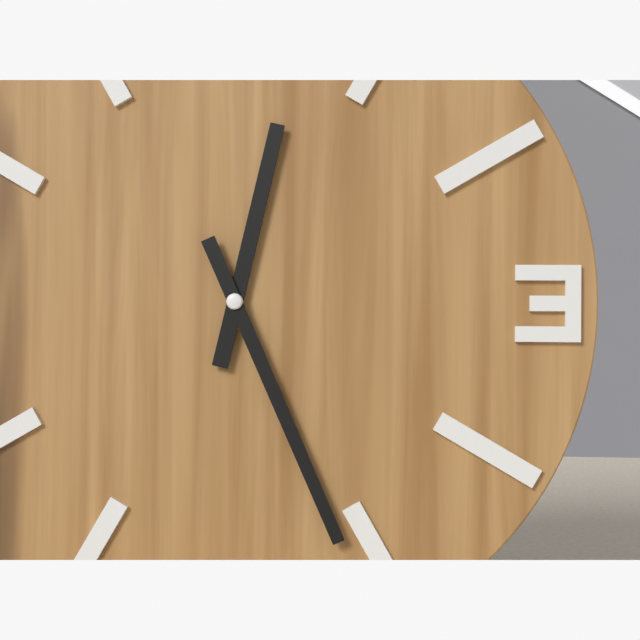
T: 12 h 26 min
